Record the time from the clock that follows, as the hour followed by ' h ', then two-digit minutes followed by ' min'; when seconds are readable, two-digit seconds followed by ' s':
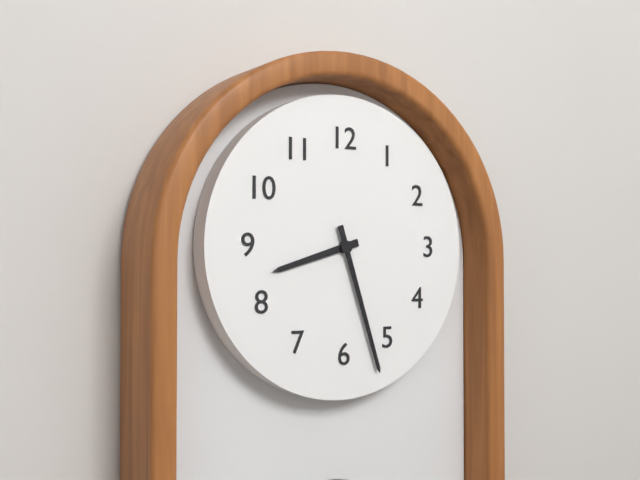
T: 8 h 27 min
